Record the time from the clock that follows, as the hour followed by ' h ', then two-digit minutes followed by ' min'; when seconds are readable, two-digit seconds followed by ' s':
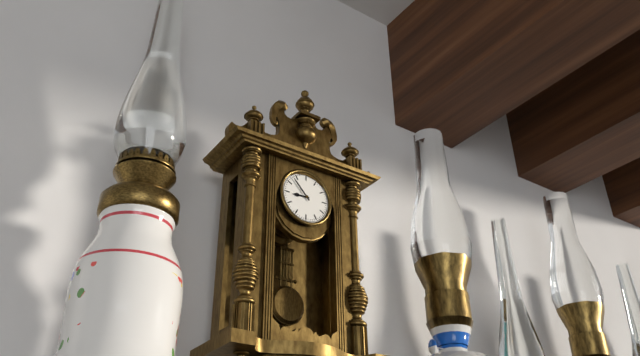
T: 8 h 53 min
